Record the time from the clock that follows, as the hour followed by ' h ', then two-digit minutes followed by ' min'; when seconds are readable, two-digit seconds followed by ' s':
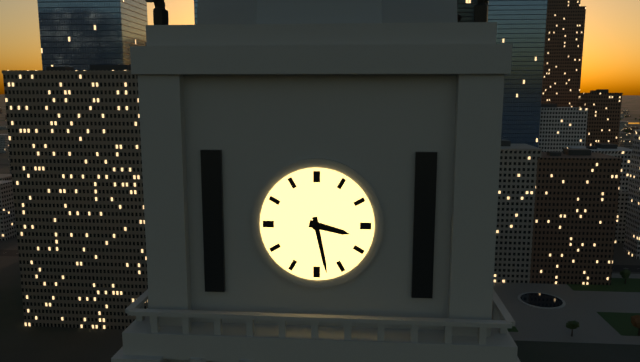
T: 3 h 28 min
